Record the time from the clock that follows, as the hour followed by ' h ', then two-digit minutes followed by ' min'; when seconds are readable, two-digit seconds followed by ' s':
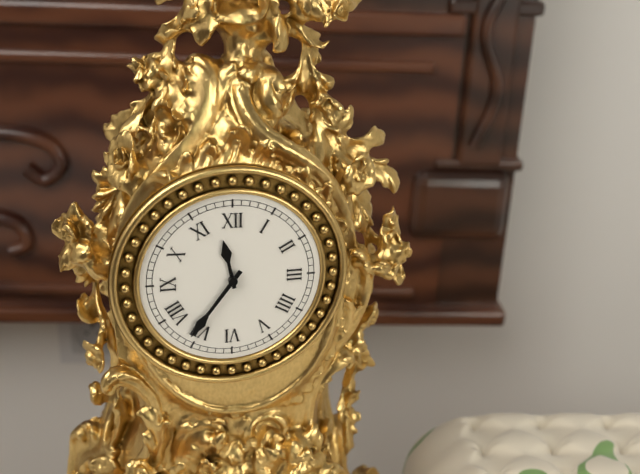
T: 11 h 36 min
